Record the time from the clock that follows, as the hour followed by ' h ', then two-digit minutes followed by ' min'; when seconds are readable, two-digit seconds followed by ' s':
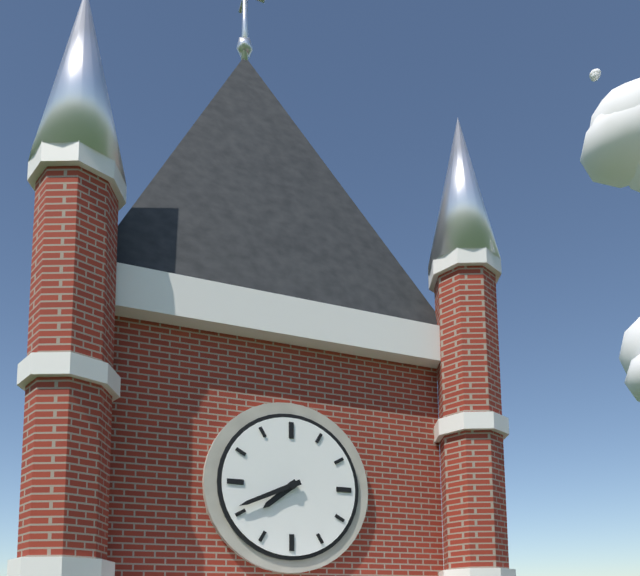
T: 7 h 41 min
